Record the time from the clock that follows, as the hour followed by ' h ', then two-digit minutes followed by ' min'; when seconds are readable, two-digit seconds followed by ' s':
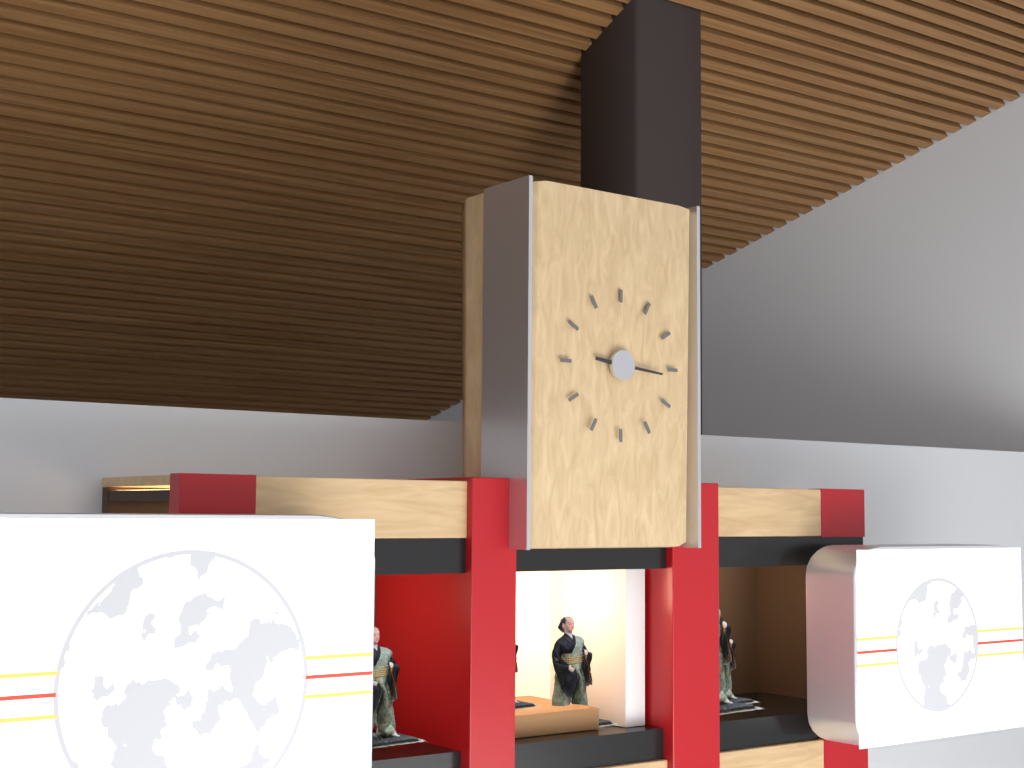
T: 9 h 16 min
